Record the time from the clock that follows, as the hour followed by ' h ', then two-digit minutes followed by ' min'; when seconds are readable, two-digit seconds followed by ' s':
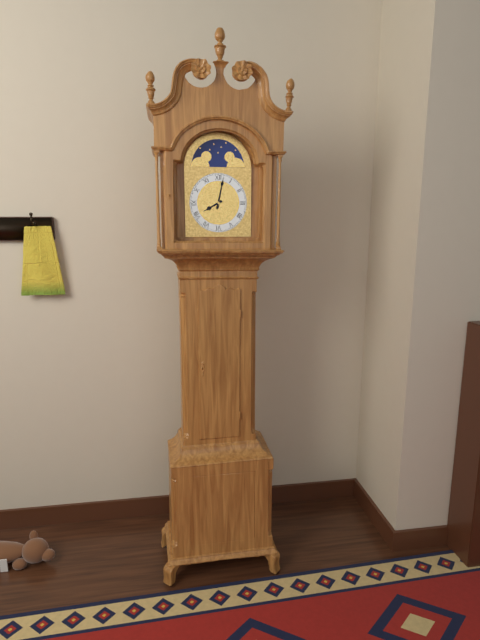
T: 8 h 02 min
